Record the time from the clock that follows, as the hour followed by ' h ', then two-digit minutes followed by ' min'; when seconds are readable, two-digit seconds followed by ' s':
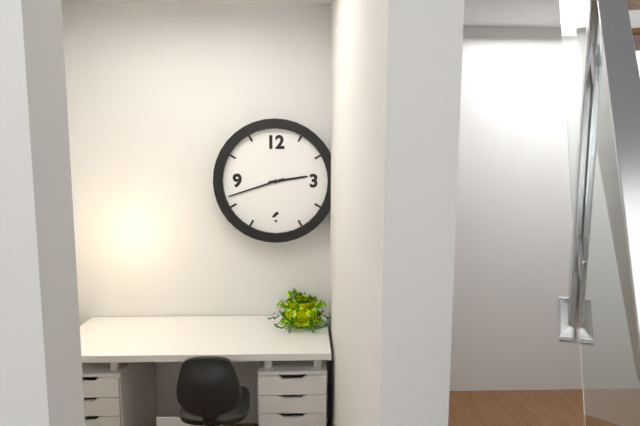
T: 2 h 42 min
